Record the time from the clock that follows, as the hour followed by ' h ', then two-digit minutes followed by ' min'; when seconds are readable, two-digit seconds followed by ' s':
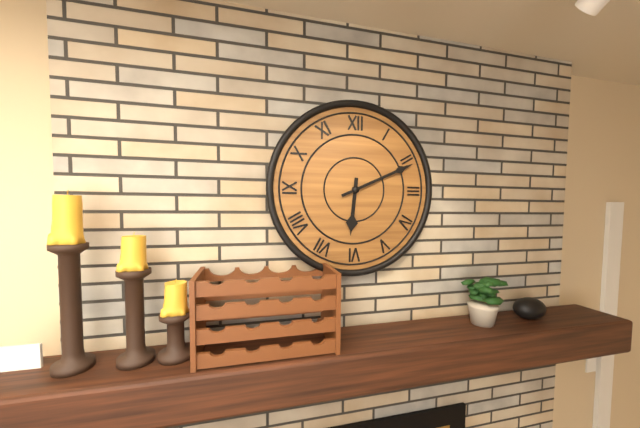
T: 6 h 11 min
